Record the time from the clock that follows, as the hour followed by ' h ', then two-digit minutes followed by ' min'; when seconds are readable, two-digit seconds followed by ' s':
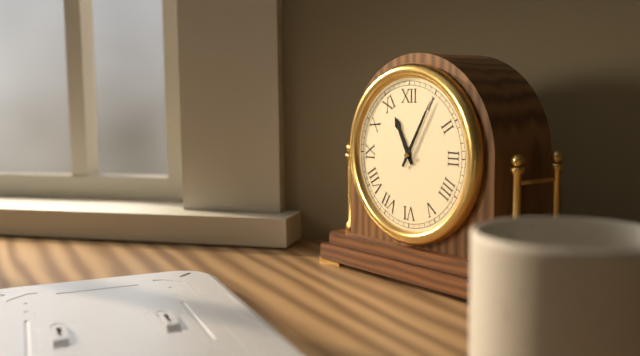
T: 11 h 05 min
